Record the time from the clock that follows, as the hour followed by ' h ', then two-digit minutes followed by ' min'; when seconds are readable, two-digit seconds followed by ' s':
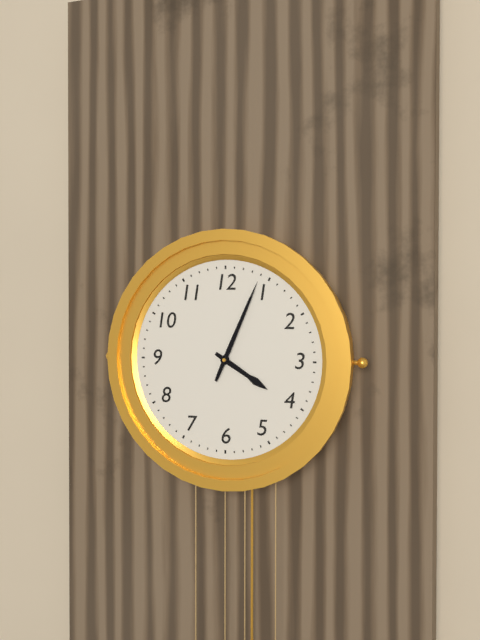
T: 4 h 04 min
